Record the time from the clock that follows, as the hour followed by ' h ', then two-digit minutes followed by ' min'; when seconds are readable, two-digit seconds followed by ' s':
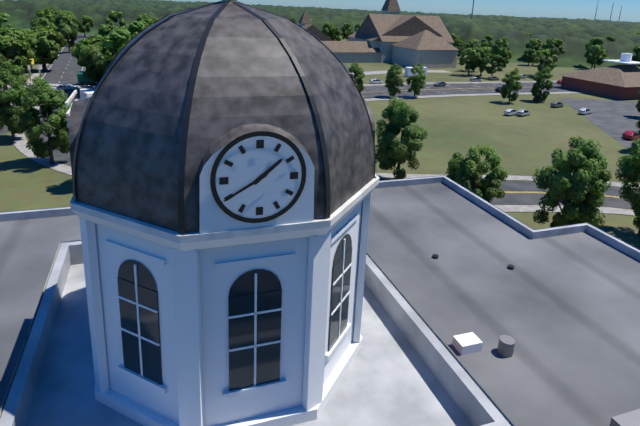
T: 1 h 40 min
